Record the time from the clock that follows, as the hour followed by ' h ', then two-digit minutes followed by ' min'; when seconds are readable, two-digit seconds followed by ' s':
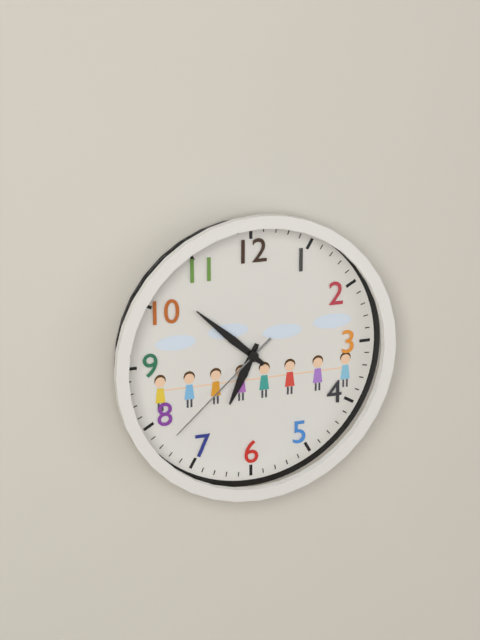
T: 6 h 52 min 38 s
